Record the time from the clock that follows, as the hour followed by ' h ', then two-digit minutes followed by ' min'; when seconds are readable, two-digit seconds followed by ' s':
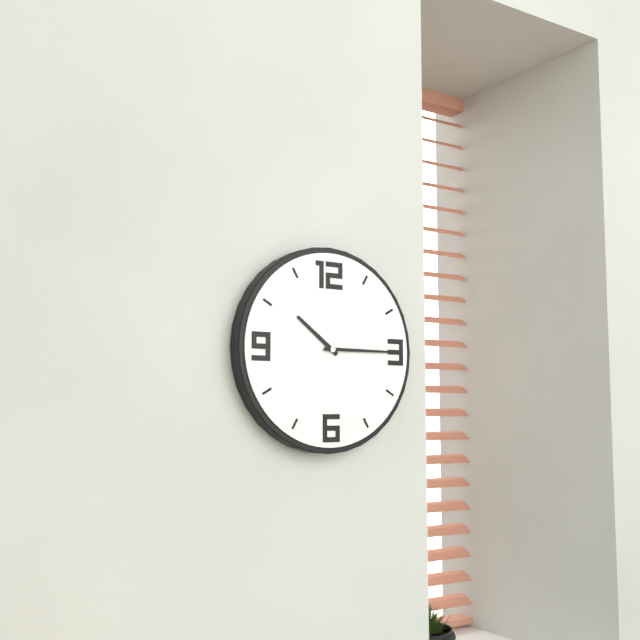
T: 10 h 15 min
